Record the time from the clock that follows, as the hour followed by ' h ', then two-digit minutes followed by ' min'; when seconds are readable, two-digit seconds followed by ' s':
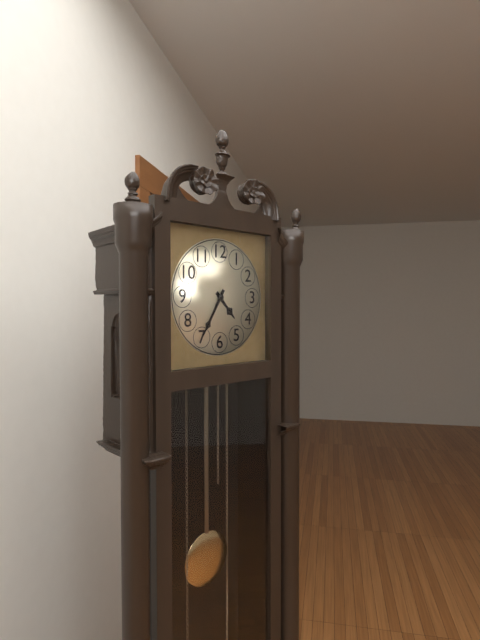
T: 4 h 35 min
